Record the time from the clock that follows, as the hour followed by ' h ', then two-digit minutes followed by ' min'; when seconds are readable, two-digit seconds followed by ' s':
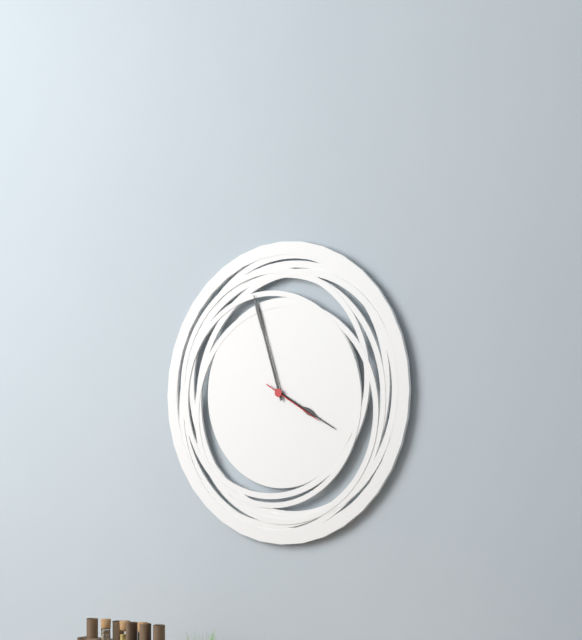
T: 3 h 57 min 20 s
